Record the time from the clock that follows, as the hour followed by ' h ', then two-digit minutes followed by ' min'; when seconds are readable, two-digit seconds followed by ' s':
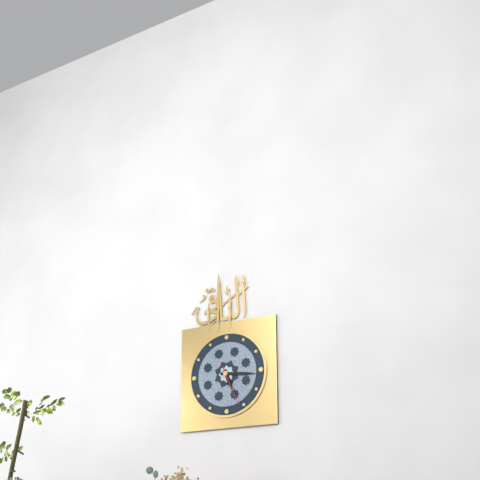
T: 5 h 16 min
